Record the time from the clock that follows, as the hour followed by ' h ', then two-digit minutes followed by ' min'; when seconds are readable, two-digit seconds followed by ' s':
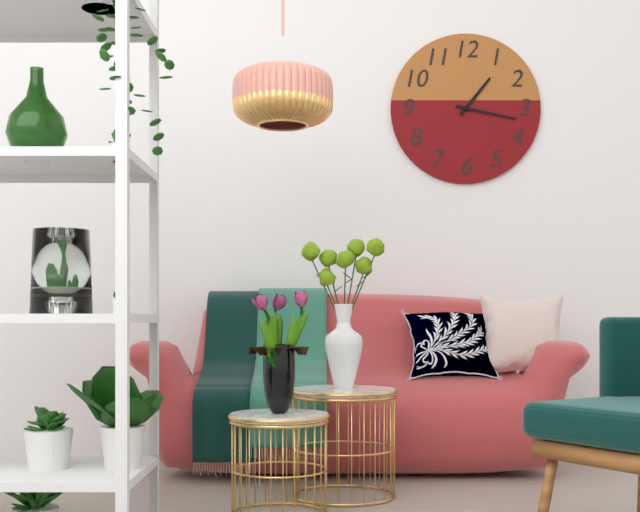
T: 1 h 17 min
